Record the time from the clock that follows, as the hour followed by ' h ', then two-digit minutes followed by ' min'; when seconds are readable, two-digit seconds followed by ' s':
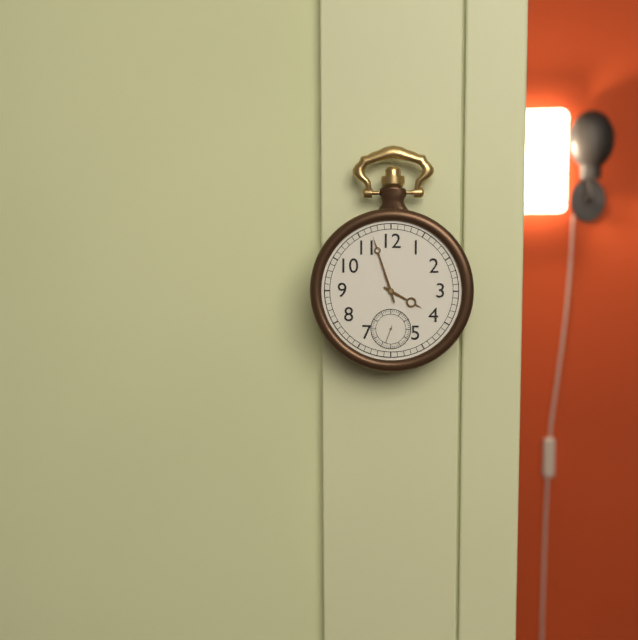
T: 3 h 57 min
